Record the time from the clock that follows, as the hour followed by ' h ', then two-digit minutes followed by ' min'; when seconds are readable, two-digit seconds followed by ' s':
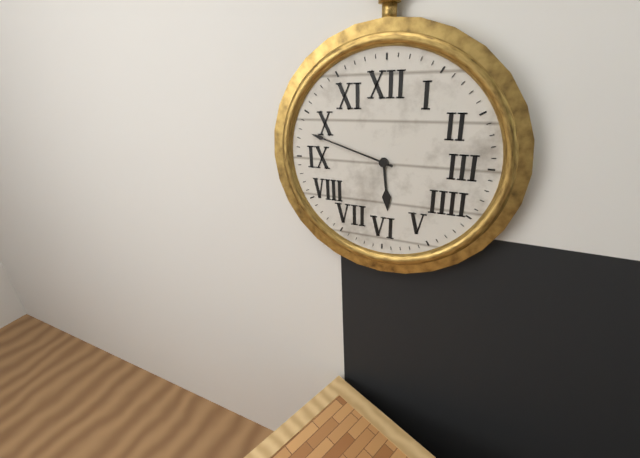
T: 5 h 48 min
